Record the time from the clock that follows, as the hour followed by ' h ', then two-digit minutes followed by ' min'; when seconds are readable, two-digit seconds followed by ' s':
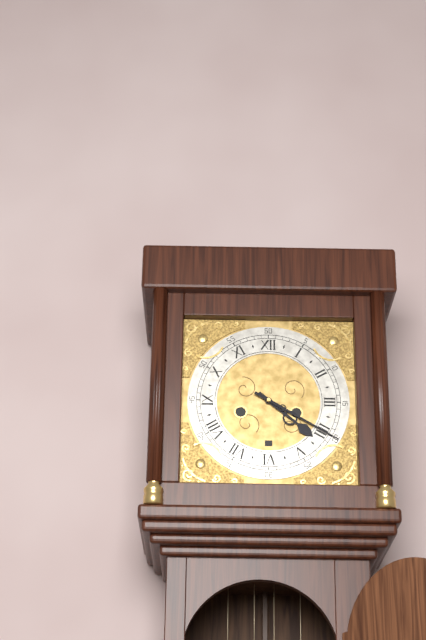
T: 4 h 20 min
